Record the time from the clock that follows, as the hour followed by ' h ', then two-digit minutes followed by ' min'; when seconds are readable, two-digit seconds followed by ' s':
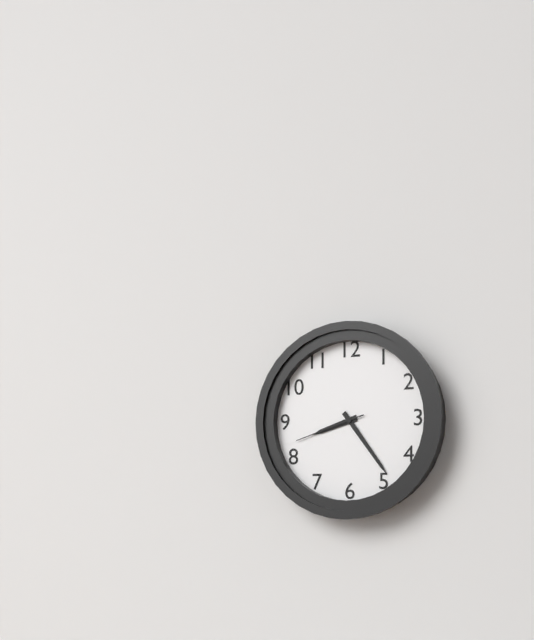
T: 8 h 24 min 42 s
